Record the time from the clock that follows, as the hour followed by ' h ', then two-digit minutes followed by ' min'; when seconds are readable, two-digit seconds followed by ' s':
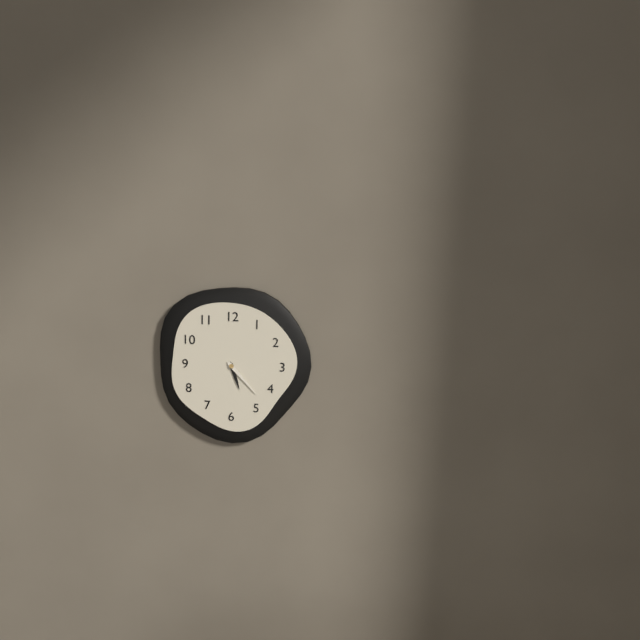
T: 5 h 23 min
